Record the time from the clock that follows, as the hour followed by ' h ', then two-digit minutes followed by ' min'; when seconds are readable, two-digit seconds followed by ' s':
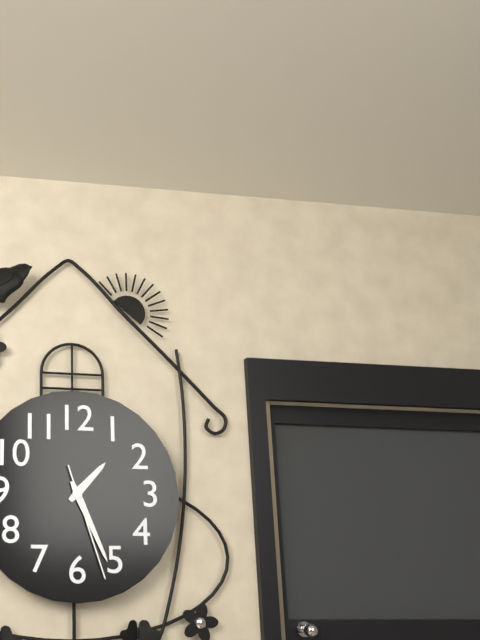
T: 1 h 26 min 27 s
